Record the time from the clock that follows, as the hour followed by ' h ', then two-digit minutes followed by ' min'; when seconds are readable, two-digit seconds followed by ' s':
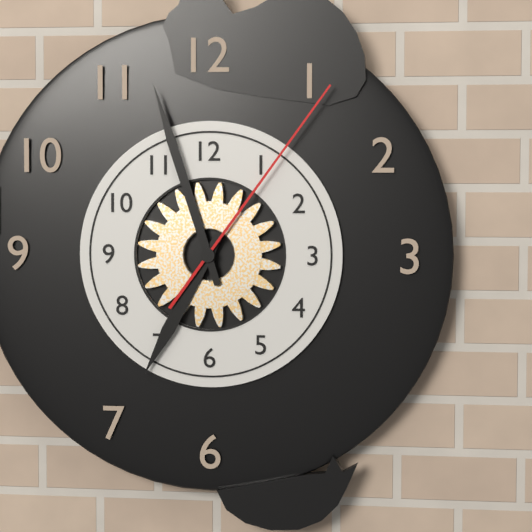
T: 6 h 57 min 06 s
